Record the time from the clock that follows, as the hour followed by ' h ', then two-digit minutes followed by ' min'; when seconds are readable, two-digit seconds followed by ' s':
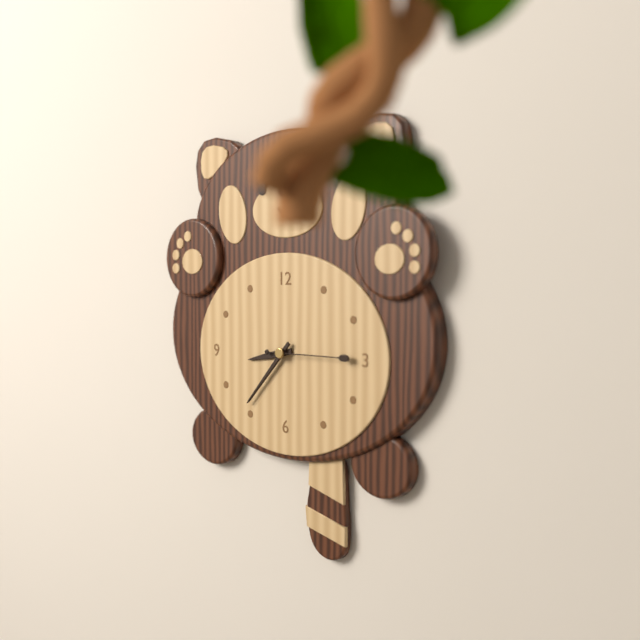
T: 8 h 37 min 15 s
